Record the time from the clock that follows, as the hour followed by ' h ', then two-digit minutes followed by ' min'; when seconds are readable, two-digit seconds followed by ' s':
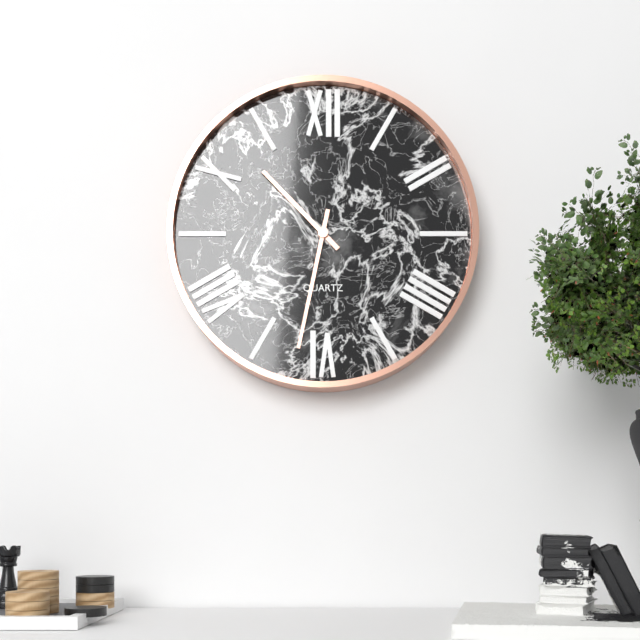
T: 10 h 32 min
